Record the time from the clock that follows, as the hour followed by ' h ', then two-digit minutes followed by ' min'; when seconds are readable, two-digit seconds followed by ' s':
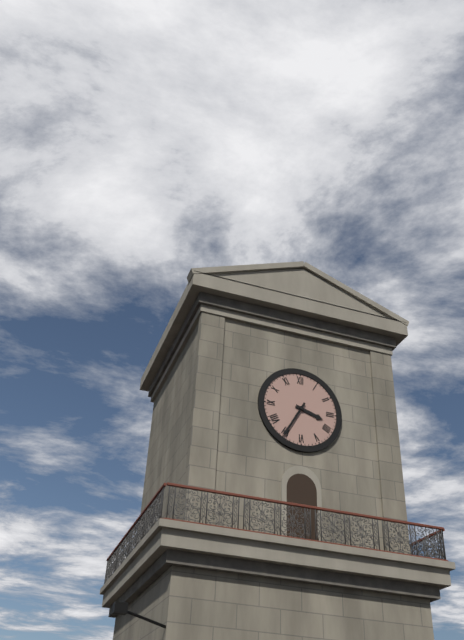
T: 3 h 35 min
